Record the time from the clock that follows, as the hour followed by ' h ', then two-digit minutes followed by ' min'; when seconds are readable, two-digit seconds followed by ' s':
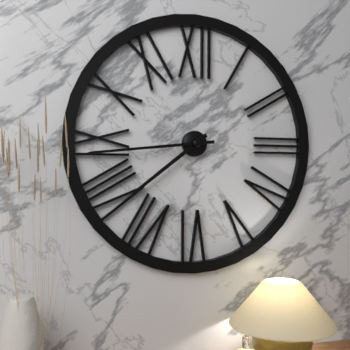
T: 7 h 44 min
